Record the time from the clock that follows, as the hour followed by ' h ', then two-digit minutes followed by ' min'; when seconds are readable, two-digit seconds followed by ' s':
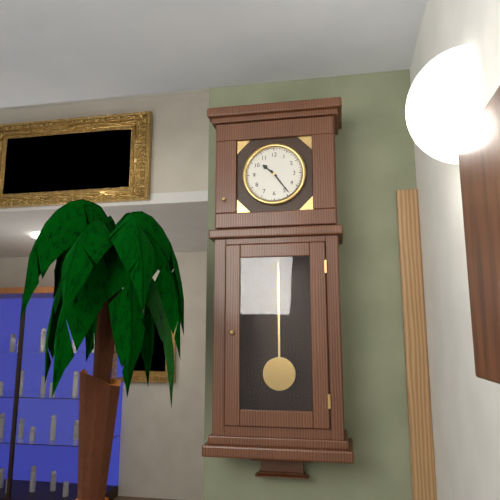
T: 10 h 24 min
